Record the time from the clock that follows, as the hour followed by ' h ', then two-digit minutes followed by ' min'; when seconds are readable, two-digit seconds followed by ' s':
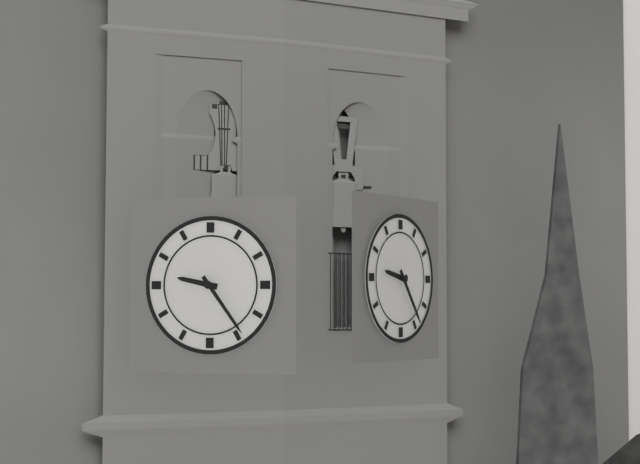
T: 9 h 24 min
